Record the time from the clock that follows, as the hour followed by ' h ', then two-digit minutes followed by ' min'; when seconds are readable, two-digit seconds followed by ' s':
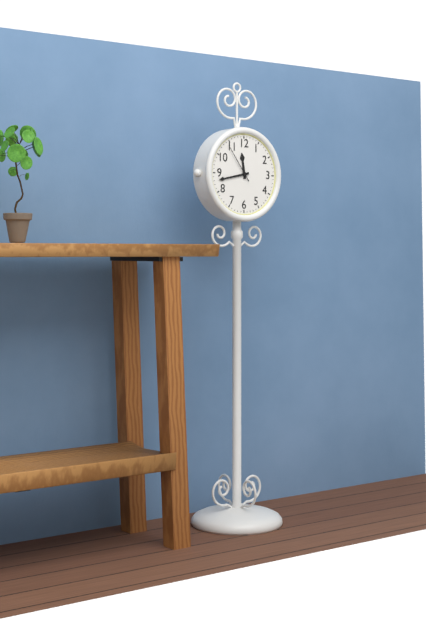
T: 11 h 43 min
